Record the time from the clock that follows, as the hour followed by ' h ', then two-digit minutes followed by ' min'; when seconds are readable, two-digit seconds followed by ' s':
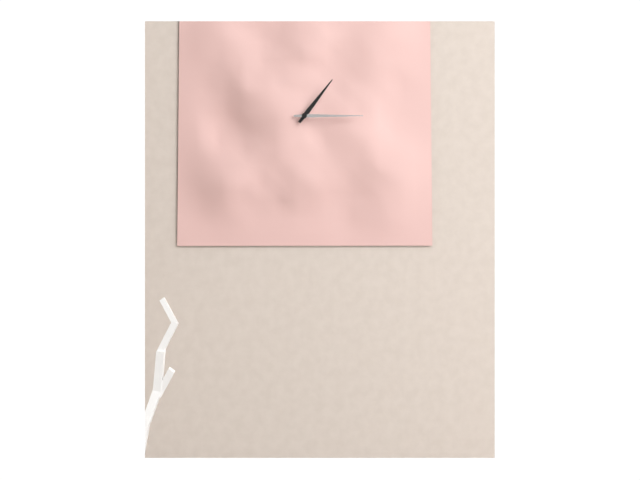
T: 1 h 15 min
